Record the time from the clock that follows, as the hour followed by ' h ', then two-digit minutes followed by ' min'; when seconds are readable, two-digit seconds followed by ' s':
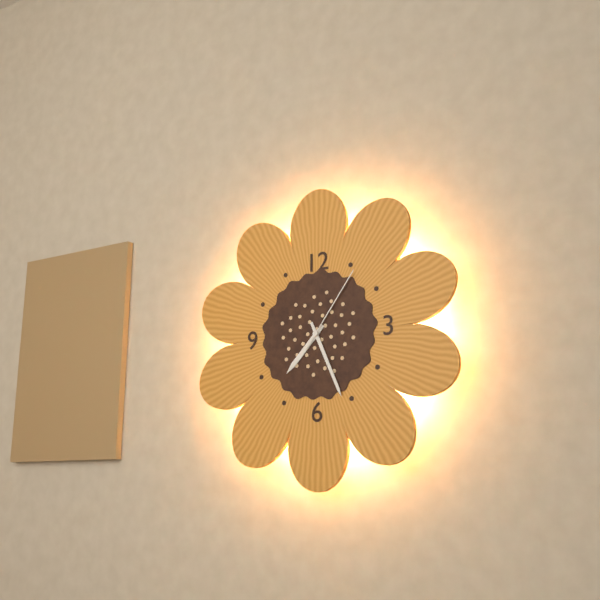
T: 7 h 26 min 06 s
